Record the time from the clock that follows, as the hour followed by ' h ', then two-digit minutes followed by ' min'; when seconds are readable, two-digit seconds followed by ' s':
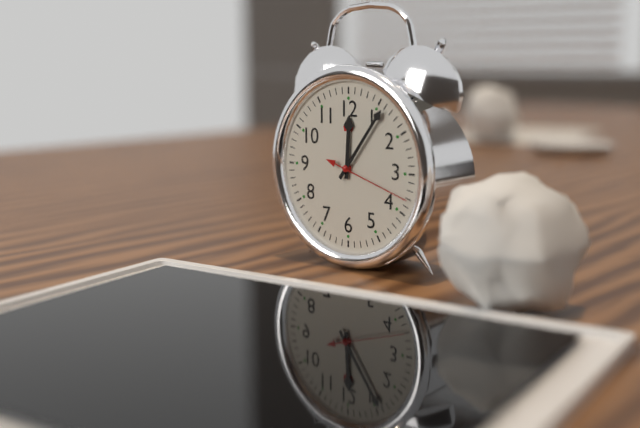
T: 12 h 06 min 18 s
